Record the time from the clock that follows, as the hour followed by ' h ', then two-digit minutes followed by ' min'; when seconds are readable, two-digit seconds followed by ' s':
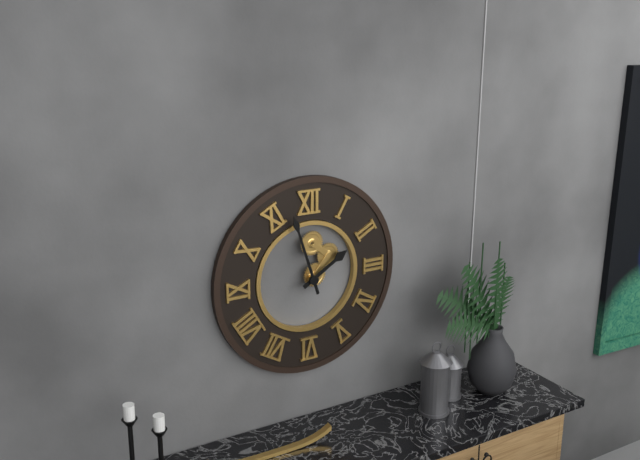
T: 1 h 57 min
